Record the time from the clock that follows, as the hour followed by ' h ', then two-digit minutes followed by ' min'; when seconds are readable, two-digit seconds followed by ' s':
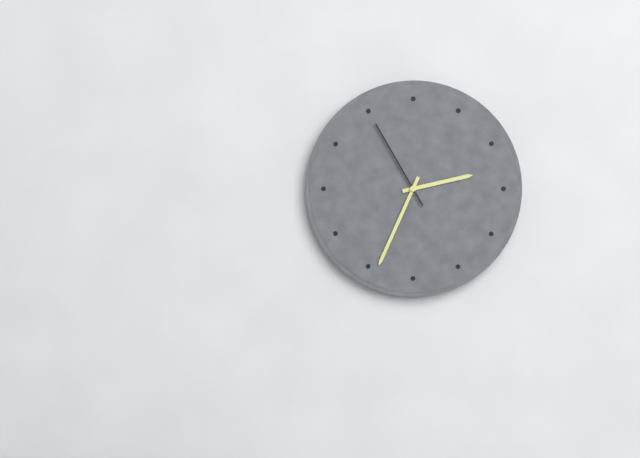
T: 2 h 34 min 55 s
